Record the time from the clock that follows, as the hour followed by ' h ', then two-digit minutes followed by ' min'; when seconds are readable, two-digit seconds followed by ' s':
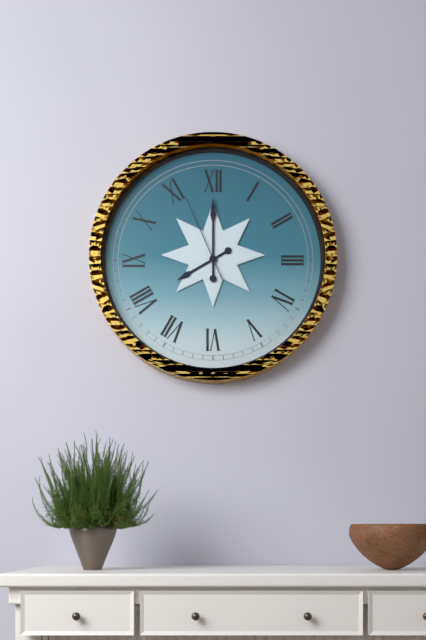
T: 8 h 00 min 56 s
